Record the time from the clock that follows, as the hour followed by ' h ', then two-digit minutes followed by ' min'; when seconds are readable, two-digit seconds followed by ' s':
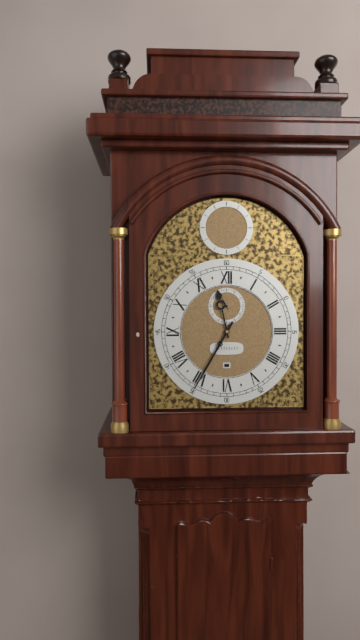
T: 11 h 35 min
